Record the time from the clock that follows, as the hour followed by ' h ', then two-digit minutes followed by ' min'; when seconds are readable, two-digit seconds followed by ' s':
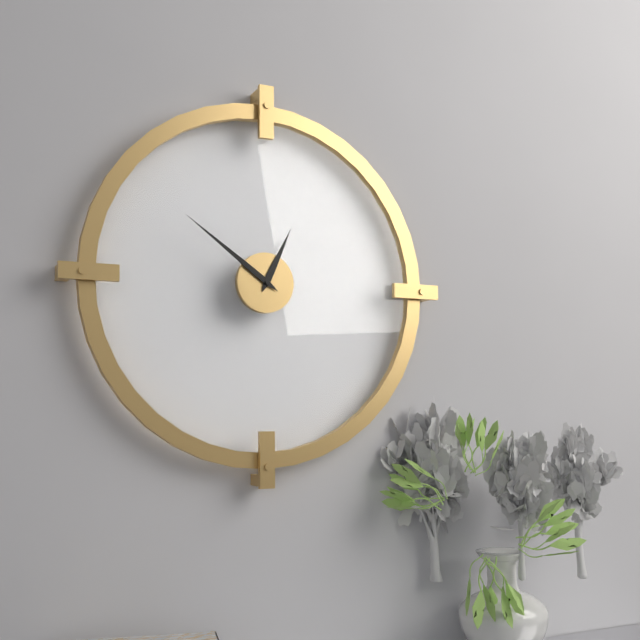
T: 12 h 51 min
